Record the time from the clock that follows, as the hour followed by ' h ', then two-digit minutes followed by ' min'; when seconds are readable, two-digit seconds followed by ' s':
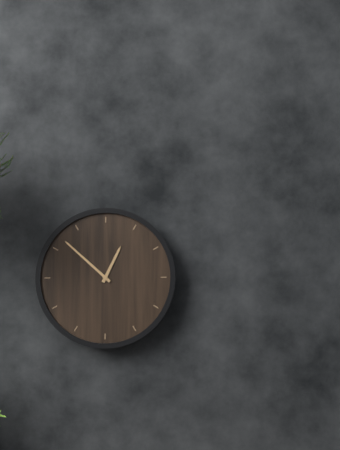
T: 12 h 52 min
